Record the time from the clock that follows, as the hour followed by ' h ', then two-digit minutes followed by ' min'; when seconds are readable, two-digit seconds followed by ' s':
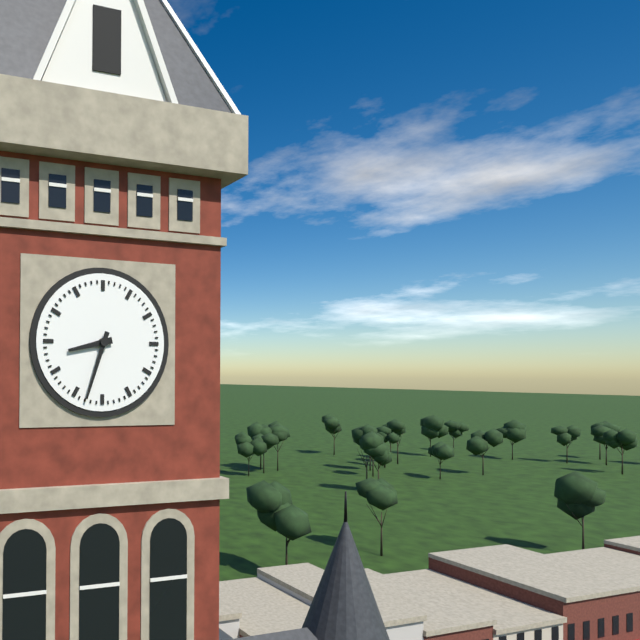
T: 8 h 33 min
